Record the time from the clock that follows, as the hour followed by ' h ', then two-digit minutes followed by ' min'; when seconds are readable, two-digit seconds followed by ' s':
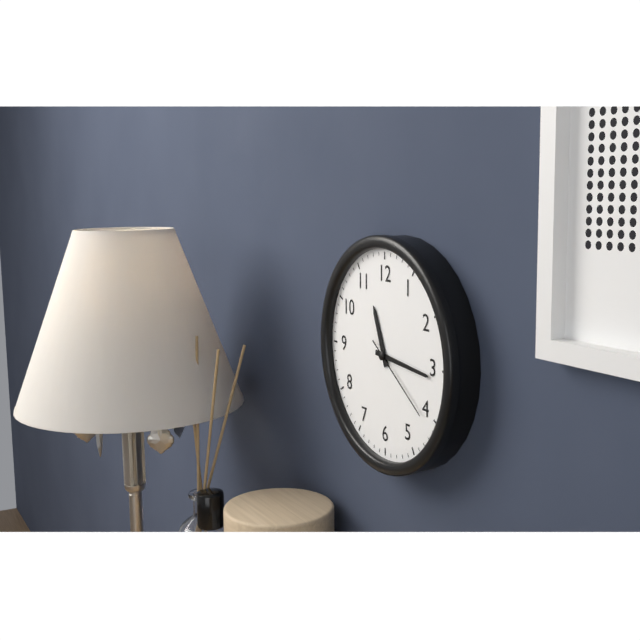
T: 11 h 16 min 21 s
